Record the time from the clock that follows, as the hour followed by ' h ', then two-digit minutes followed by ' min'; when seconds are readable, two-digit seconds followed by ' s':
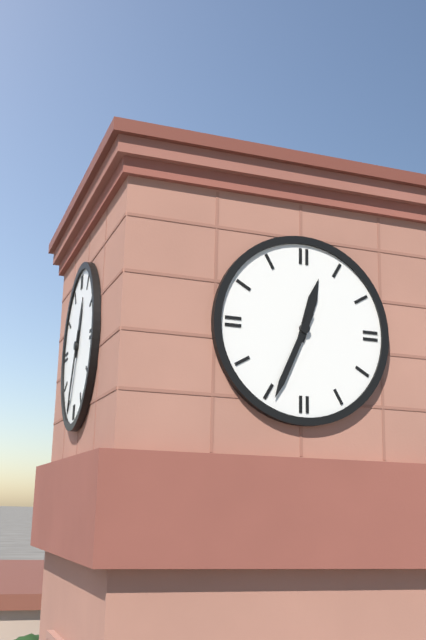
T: 12 h 34 min
